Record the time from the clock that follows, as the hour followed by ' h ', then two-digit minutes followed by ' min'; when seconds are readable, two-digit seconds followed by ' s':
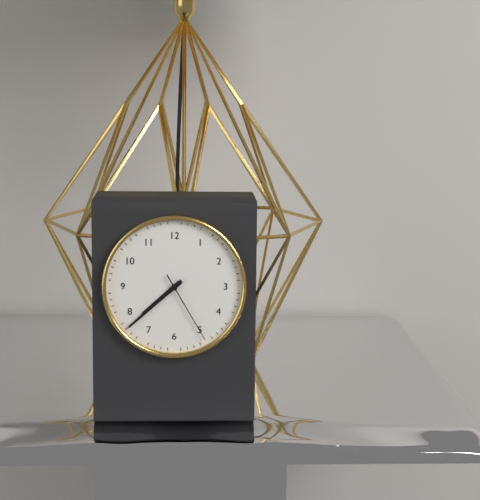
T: 7 h 38 min 25 s
